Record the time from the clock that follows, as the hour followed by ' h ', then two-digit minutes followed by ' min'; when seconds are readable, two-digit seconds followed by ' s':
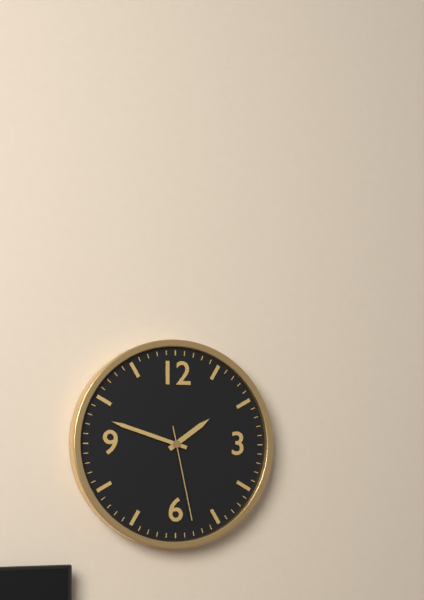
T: 1 h 48 min 28 s
